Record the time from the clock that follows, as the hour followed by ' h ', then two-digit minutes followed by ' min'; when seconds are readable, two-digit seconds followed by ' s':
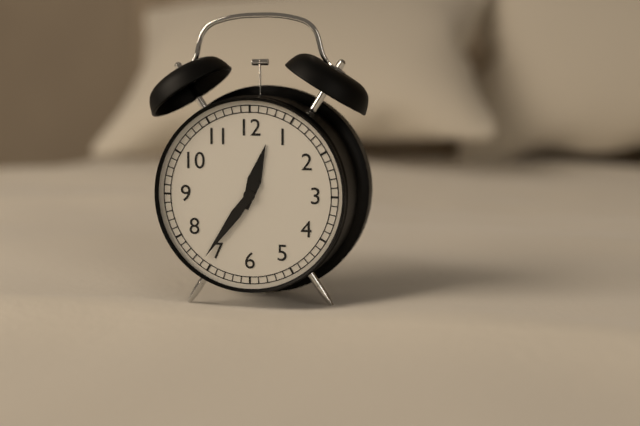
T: 12 h 36 min
